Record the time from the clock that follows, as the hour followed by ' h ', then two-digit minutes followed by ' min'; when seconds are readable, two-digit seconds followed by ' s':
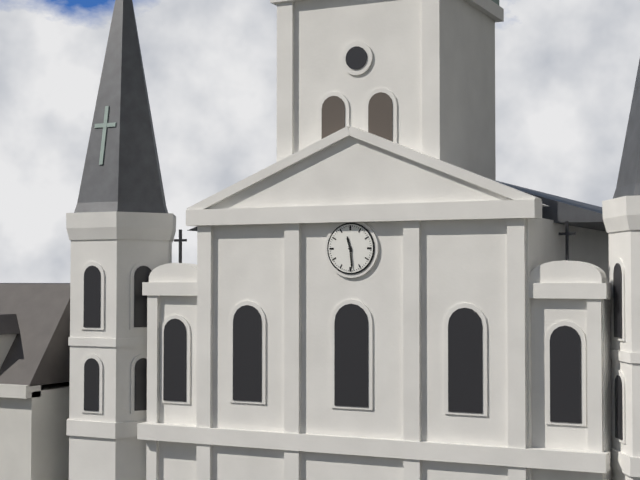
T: 11 h 29 min
